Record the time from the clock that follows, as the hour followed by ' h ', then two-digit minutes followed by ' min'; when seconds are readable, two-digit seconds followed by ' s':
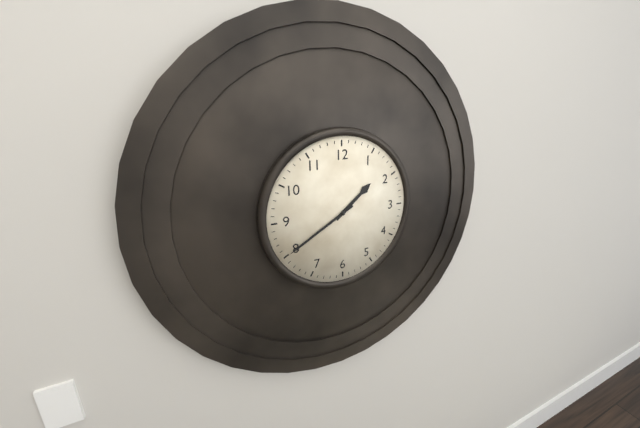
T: 1 h 40 min
